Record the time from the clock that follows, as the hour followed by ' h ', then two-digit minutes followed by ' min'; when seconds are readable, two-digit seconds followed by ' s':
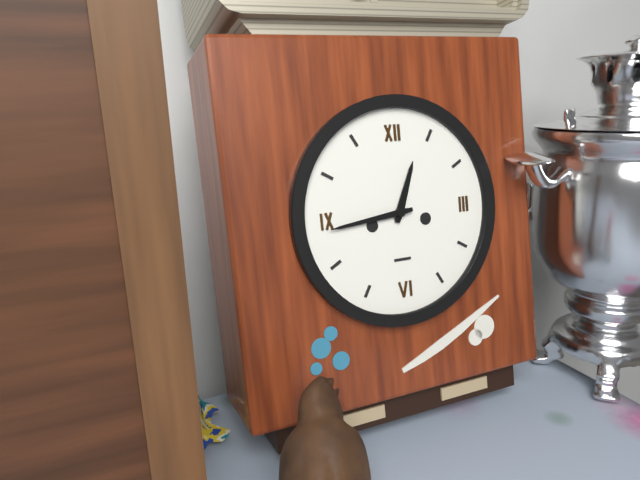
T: 12 h 44 min
